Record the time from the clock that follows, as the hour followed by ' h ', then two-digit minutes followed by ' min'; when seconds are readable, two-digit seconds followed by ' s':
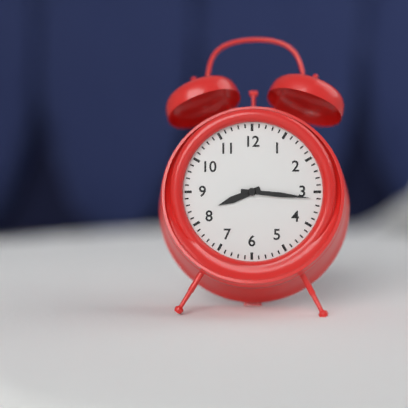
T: 8 h 16 min
